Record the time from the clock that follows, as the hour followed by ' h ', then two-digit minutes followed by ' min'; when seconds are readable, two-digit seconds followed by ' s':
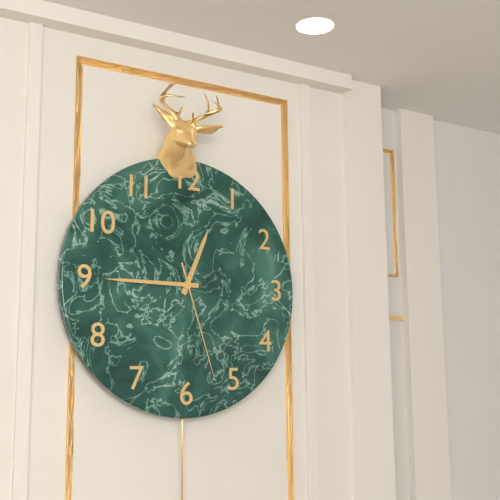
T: 12 h 45 min 27 s
